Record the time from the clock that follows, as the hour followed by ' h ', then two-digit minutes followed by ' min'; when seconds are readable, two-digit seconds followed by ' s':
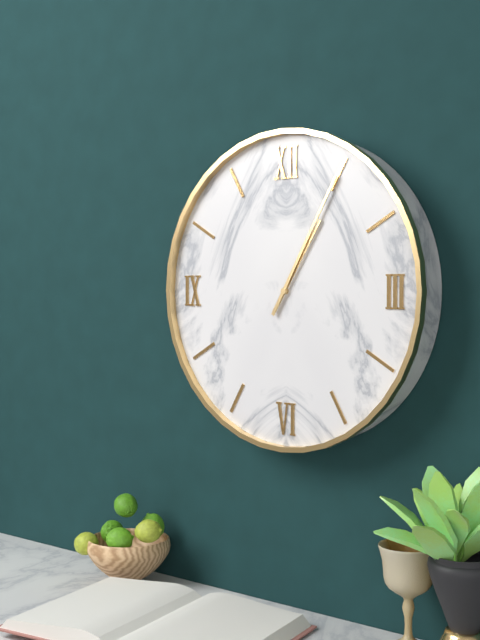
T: 1 h 05 min
